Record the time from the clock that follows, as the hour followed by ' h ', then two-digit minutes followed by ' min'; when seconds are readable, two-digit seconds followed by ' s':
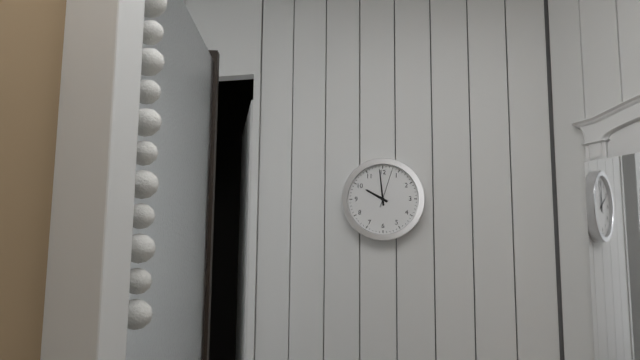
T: 9 h 59 min
